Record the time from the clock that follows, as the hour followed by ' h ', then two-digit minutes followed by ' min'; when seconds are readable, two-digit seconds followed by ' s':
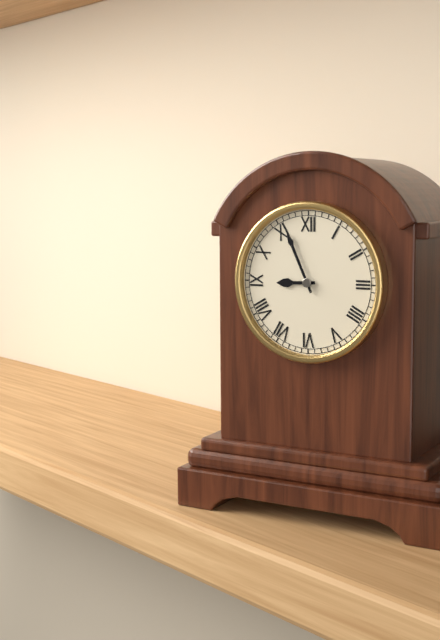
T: 8 h 56 min
